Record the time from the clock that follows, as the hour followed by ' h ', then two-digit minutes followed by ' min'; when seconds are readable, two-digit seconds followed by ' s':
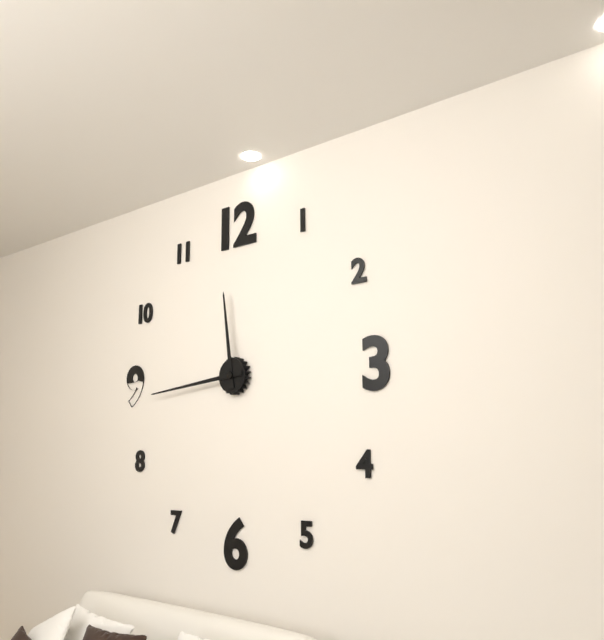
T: 11 h 44 min
